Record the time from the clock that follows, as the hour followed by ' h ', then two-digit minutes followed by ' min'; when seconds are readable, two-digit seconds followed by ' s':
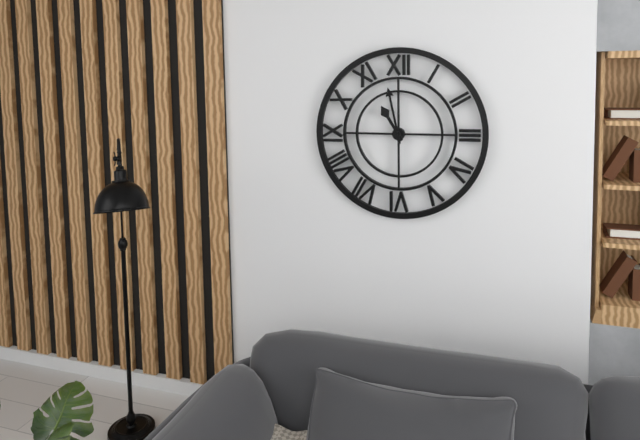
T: 10 h 58 min
